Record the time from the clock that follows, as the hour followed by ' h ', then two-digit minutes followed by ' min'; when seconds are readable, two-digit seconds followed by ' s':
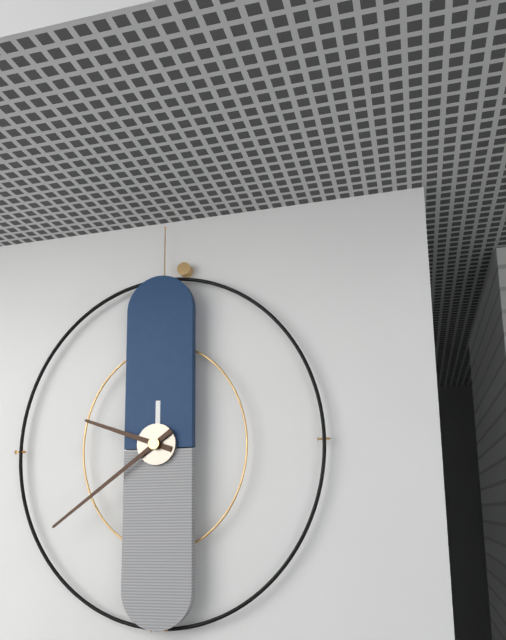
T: 9 h 39 min
